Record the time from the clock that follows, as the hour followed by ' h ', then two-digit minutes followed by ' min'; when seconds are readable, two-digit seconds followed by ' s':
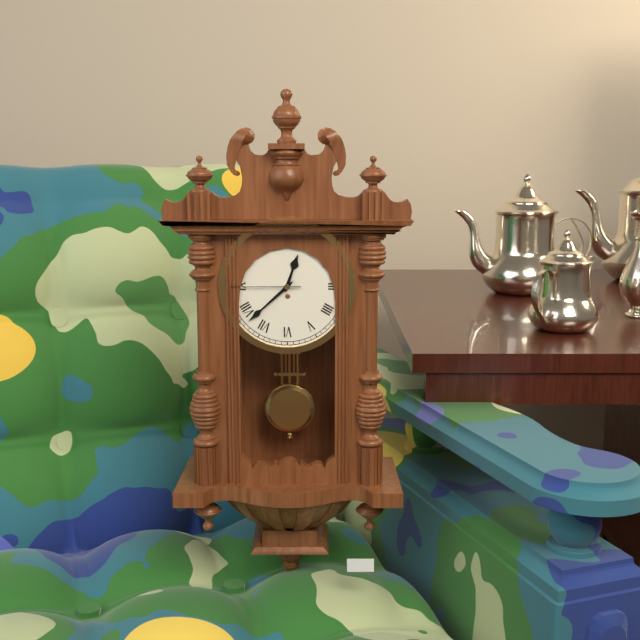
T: 12 h 38 min 45 s
